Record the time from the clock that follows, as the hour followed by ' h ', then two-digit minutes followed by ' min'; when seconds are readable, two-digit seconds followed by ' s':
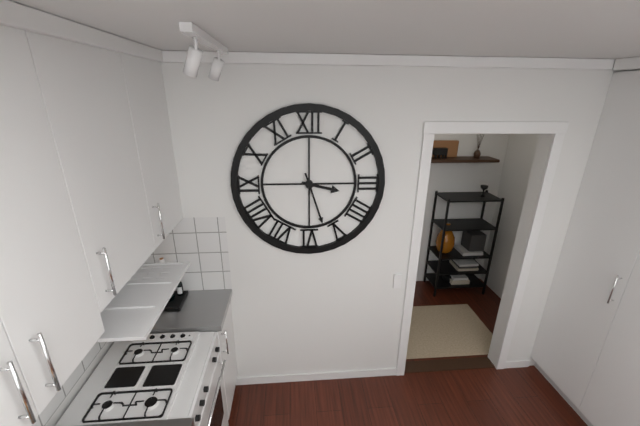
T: 3 h 27 min
